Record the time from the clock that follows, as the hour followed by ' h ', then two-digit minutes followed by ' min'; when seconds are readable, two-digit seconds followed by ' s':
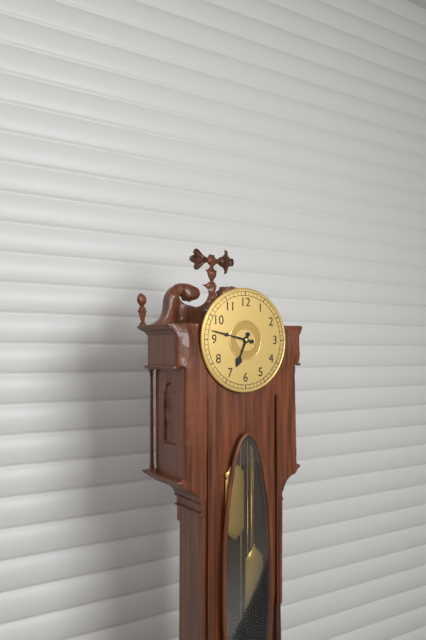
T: 6 h 47 min
